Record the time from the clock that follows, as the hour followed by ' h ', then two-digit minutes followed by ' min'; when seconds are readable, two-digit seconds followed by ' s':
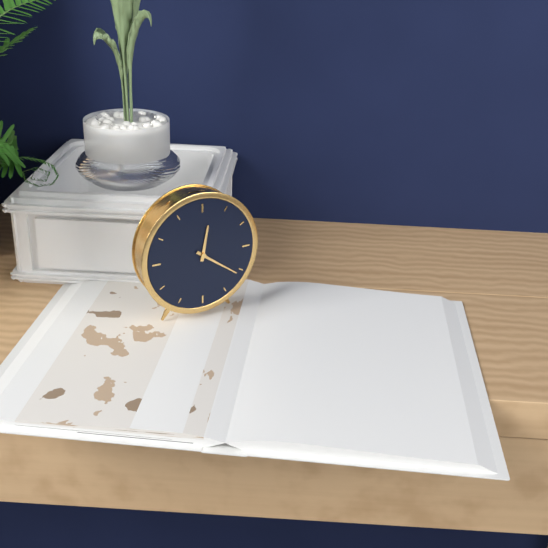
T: 12 h 21 min
